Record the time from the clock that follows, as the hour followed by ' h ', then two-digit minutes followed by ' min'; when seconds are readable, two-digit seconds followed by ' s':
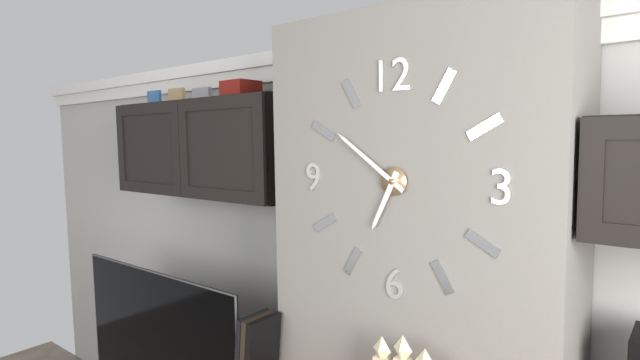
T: 6 h 51 min
